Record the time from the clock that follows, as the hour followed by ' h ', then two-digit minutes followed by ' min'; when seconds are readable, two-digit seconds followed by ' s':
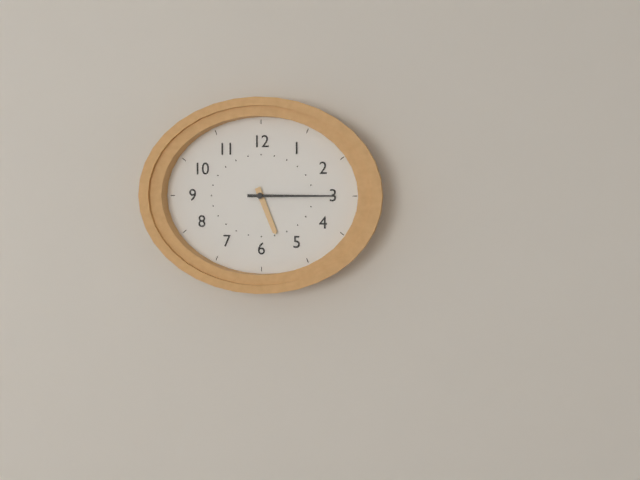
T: 5 h 15 min
